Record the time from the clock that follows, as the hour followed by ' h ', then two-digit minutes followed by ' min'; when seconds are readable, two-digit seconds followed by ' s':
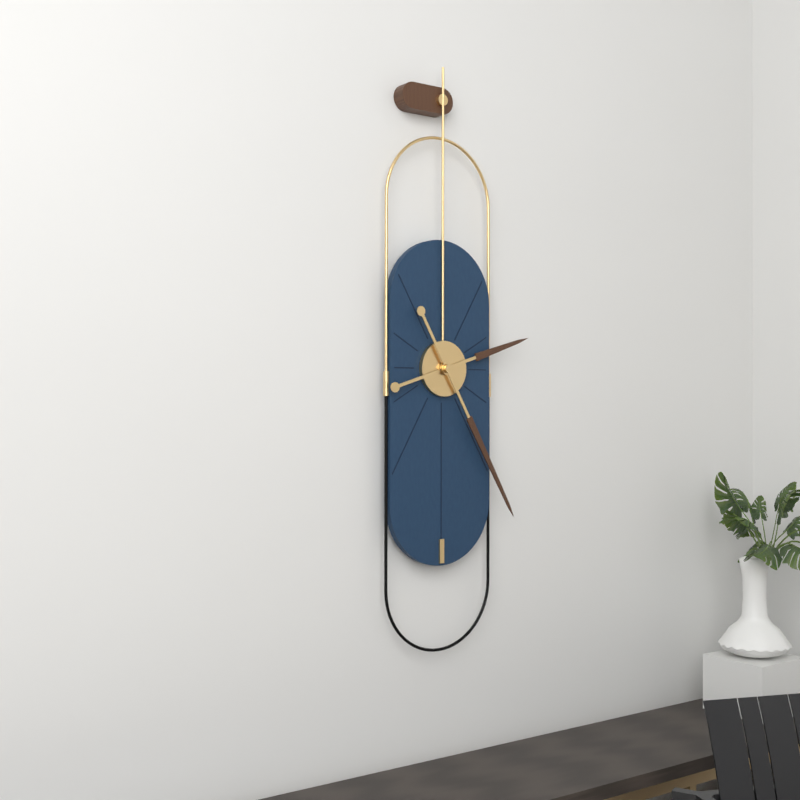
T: 2 h 25 min
